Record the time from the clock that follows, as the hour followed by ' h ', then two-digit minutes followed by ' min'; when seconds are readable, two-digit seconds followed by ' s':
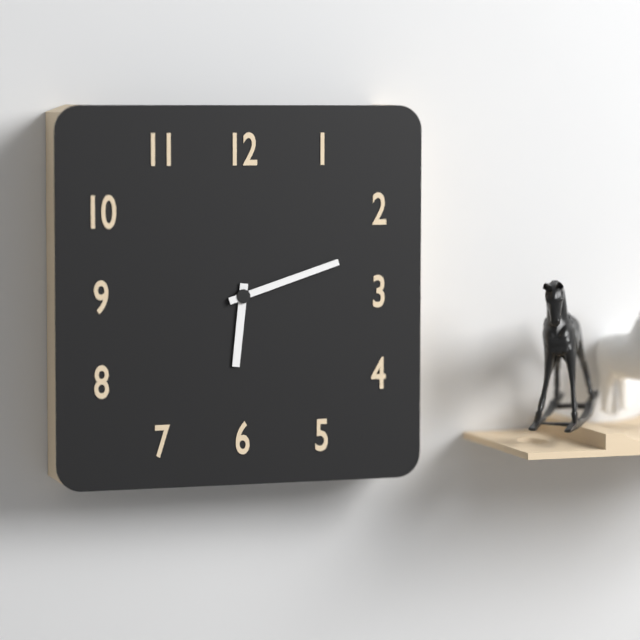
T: 6 h 12 min
